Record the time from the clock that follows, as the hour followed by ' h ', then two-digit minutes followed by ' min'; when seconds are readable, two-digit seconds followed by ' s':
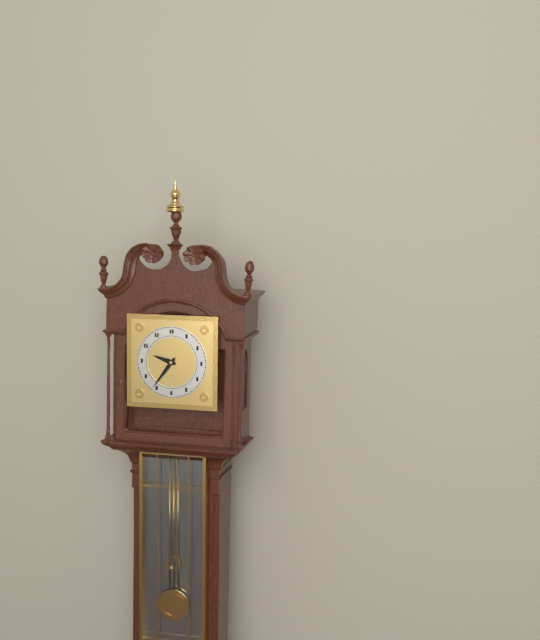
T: 9 h 36 min
